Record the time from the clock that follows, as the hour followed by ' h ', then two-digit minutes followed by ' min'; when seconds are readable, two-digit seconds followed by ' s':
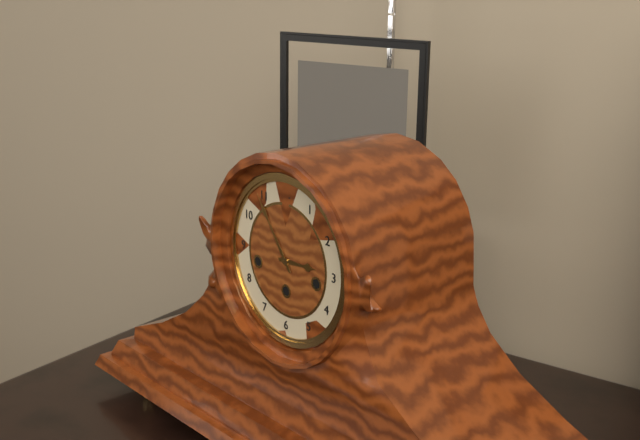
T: 2 h 54 min
